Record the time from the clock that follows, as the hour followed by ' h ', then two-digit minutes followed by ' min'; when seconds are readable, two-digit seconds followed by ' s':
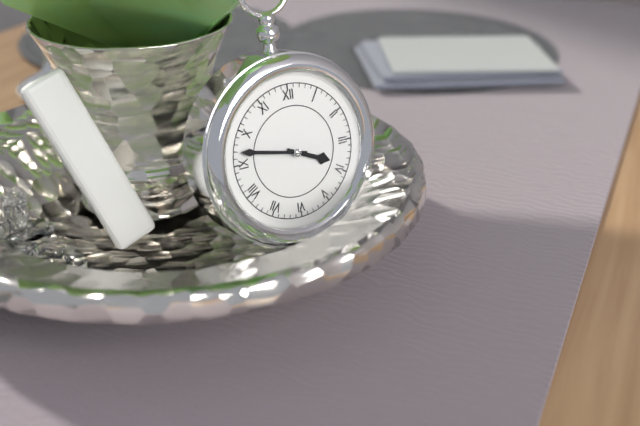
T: 3 h 47 min
